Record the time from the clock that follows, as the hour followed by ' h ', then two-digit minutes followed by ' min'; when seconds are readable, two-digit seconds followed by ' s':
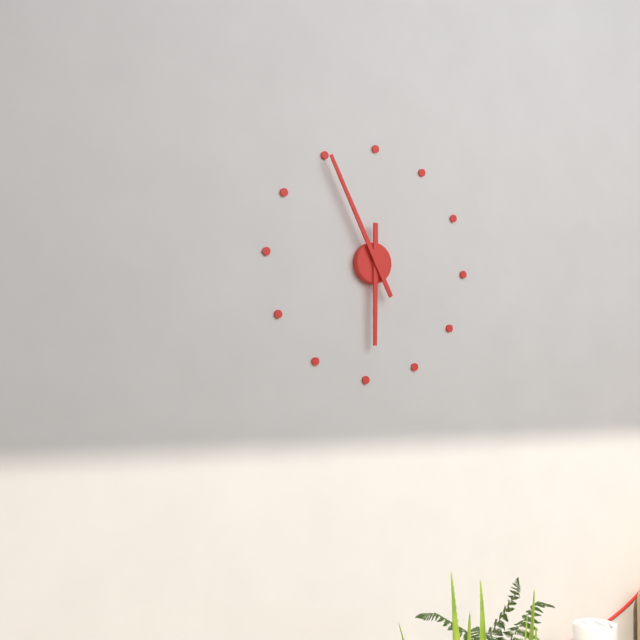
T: 5 h 55 min
